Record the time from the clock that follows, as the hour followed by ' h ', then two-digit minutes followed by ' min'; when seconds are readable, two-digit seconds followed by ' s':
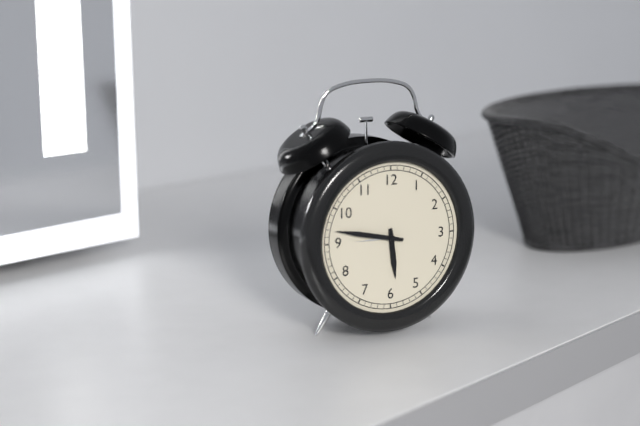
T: 5 h 47 min
